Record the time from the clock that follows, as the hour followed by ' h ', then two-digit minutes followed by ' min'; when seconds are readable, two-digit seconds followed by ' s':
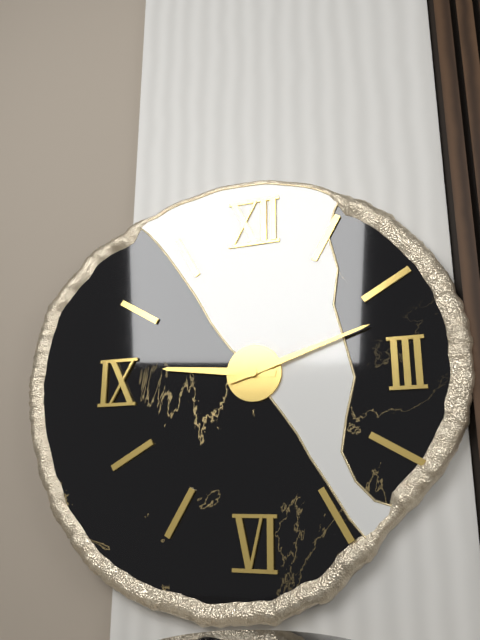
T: 9 h 12 min
